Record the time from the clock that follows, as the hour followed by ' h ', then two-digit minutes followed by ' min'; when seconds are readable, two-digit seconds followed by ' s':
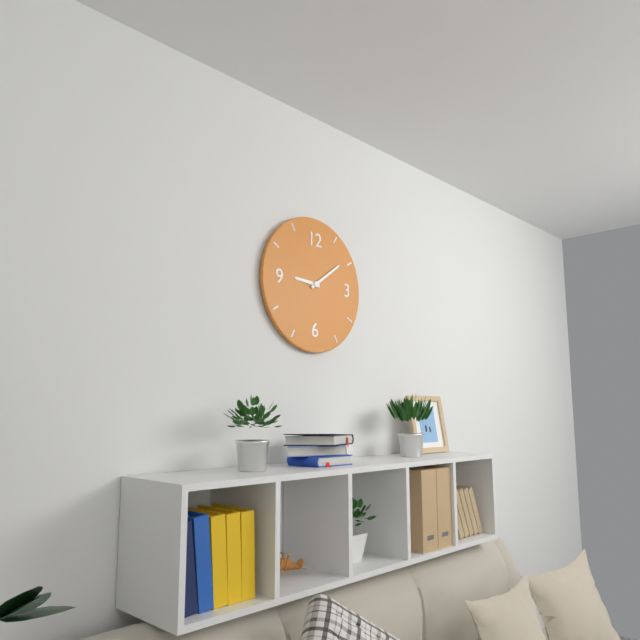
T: 9 h 09 min
